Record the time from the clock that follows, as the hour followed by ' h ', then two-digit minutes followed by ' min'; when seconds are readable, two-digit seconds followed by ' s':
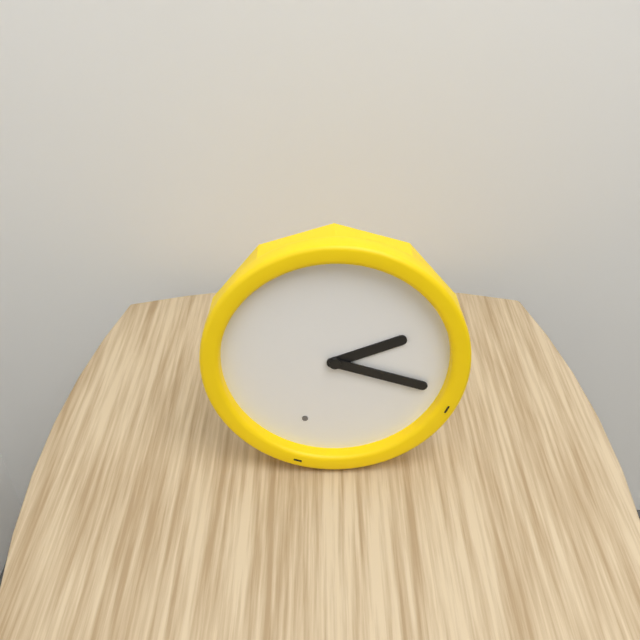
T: 2 h 18 min
